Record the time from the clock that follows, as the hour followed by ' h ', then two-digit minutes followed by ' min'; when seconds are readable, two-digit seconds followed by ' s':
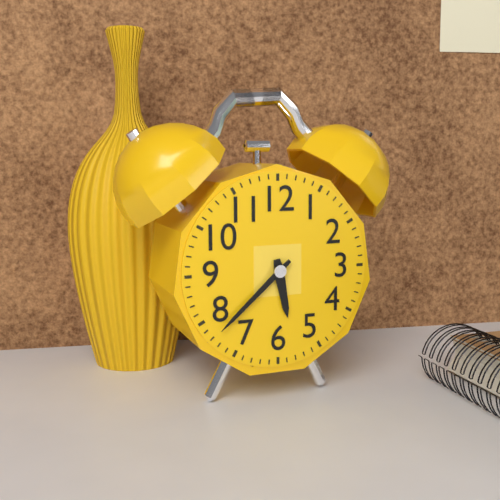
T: 5 h 38 min
